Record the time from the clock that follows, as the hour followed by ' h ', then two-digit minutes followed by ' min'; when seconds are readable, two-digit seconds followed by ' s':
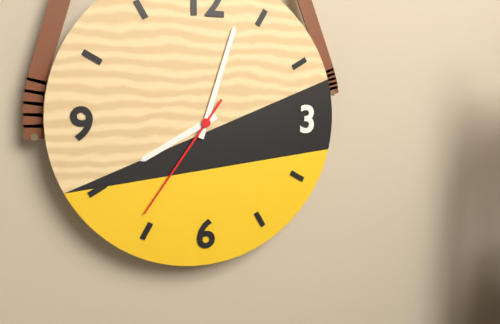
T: 8 h 03 min 36 s
